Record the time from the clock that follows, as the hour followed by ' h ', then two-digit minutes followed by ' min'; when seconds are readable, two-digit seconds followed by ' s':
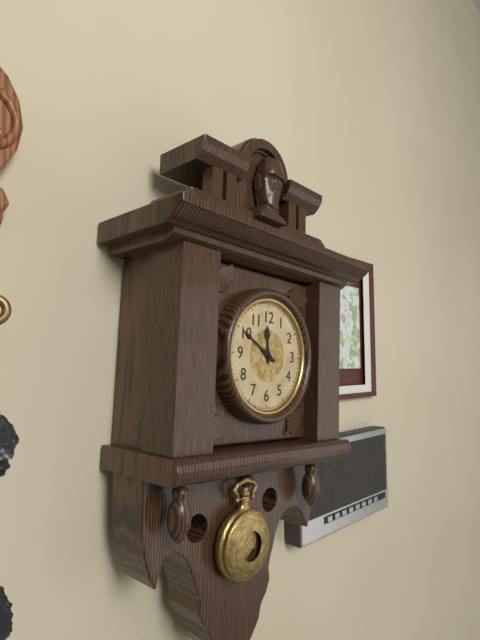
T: 11 h 50 min
